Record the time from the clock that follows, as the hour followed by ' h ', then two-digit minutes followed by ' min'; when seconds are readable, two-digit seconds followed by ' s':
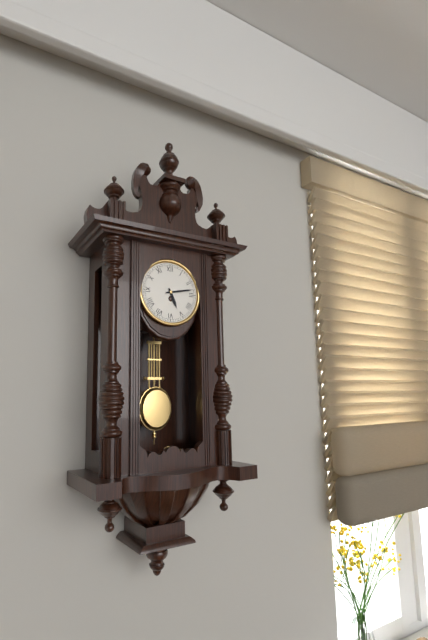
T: 5 h 13 min
